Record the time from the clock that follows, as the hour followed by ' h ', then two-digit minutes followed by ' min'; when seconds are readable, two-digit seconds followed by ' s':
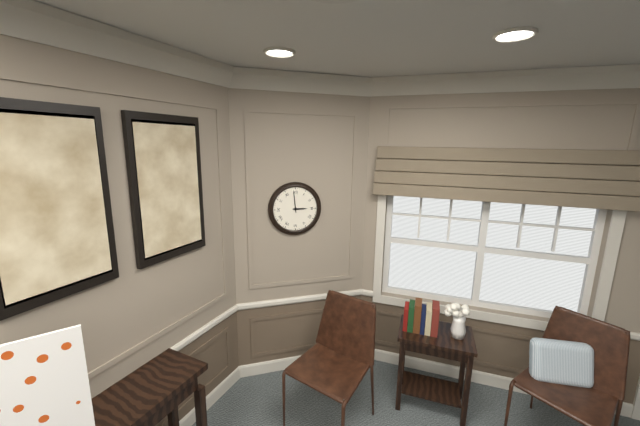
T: 2 h 59 min
